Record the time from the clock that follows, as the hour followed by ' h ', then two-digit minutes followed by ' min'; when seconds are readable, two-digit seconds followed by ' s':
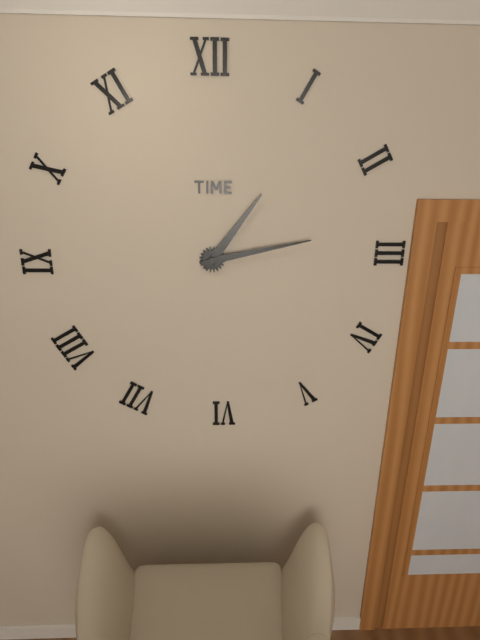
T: 1 h 13 min
